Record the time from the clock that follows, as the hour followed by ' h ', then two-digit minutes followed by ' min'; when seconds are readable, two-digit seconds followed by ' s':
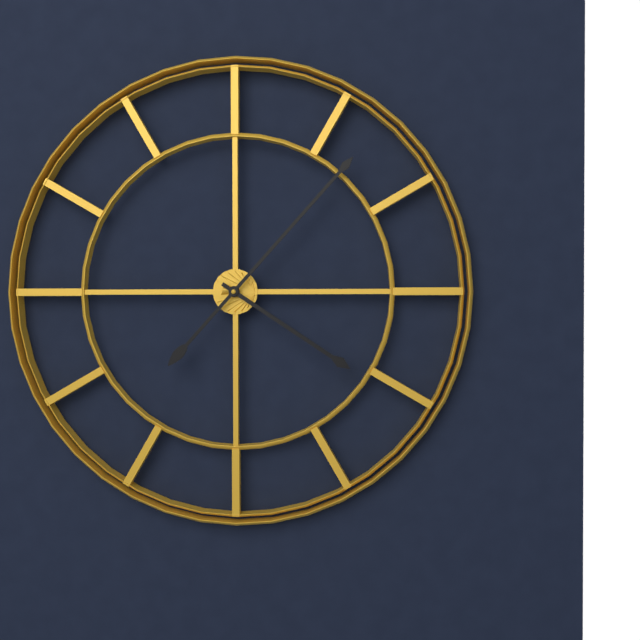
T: 4 h 07 min
